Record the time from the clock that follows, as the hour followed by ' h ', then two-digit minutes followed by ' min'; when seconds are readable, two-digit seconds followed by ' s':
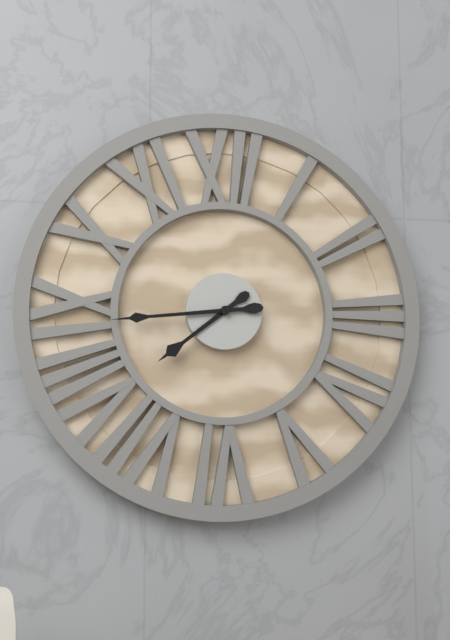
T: 7 h 44 min
